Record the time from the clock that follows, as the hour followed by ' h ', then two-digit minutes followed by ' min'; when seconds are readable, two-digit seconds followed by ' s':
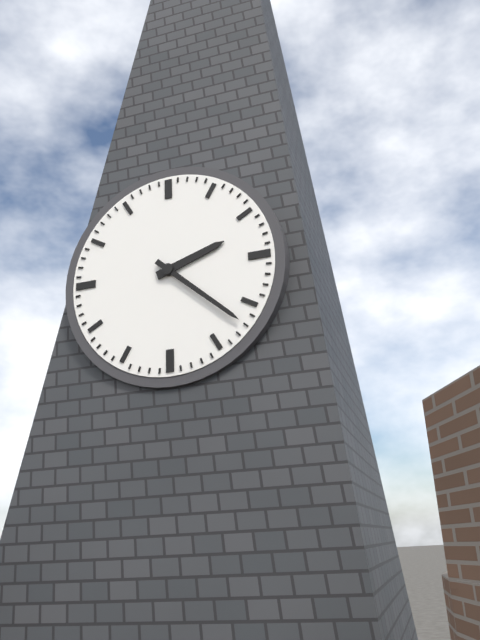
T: 2 h 22 min
